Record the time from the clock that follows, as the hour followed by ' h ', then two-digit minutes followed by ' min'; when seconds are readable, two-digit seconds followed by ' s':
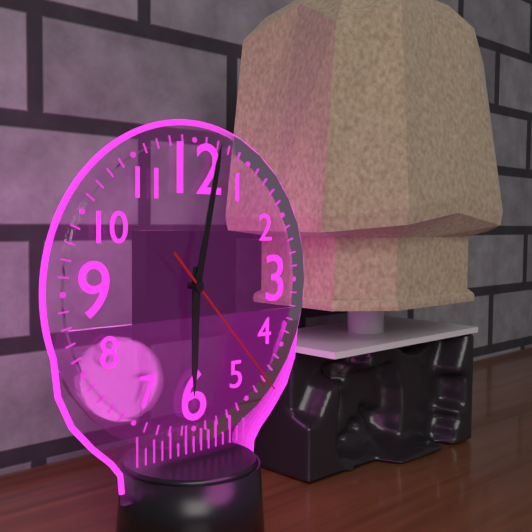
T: 6 h 02 min 23 s
